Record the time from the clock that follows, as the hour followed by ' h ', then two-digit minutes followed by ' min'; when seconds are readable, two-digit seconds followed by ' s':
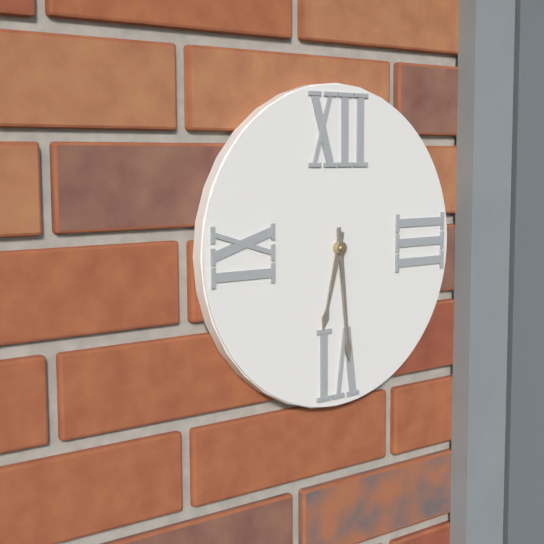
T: 6 h 29 min
